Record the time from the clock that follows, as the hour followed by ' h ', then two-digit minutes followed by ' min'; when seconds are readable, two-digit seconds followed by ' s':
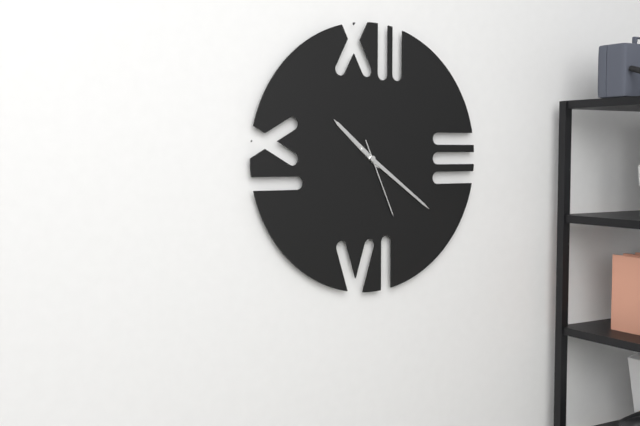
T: 10 h 21 min 26 s
